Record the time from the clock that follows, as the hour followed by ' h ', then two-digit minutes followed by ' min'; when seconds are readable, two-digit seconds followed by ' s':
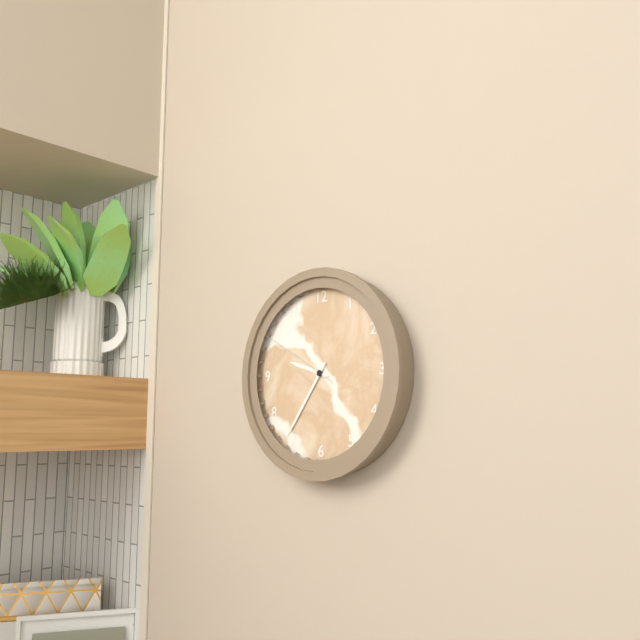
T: 9 h 36 min 50 s
